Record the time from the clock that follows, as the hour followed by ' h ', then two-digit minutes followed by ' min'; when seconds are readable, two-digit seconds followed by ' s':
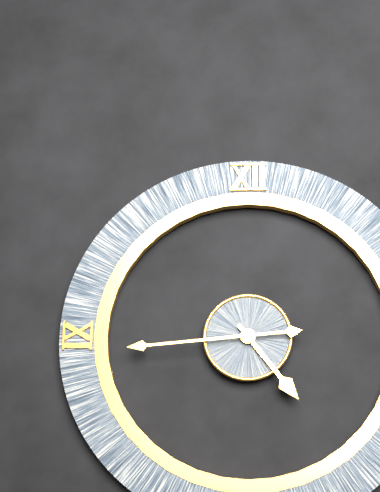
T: 4 h 44 min
